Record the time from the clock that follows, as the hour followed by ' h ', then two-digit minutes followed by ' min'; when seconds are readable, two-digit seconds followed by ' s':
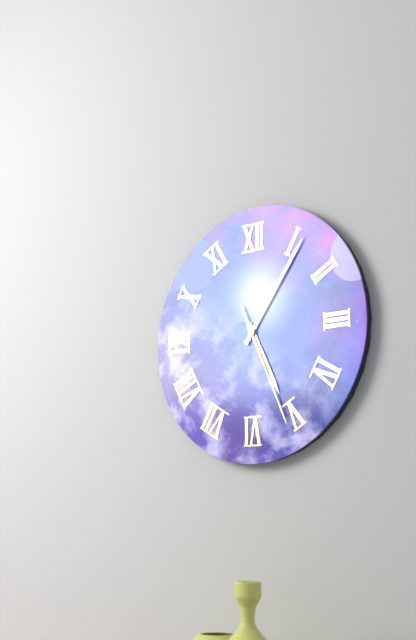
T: 5 h 06 min 26 s
